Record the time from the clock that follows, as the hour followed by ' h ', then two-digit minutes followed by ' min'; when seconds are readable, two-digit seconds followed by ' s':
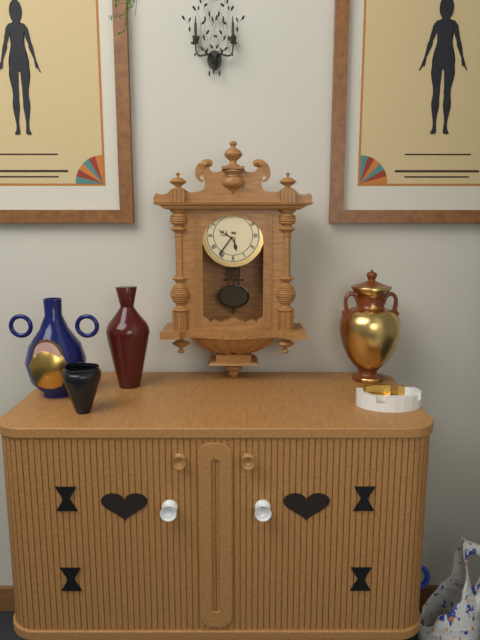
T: 5 h 36 min
